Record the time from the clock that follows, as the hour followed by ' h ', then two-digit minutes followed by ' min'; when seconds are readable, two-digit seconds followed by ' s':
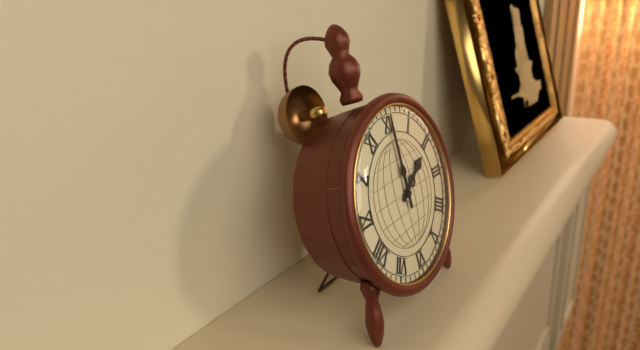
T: 2 h 00 min
